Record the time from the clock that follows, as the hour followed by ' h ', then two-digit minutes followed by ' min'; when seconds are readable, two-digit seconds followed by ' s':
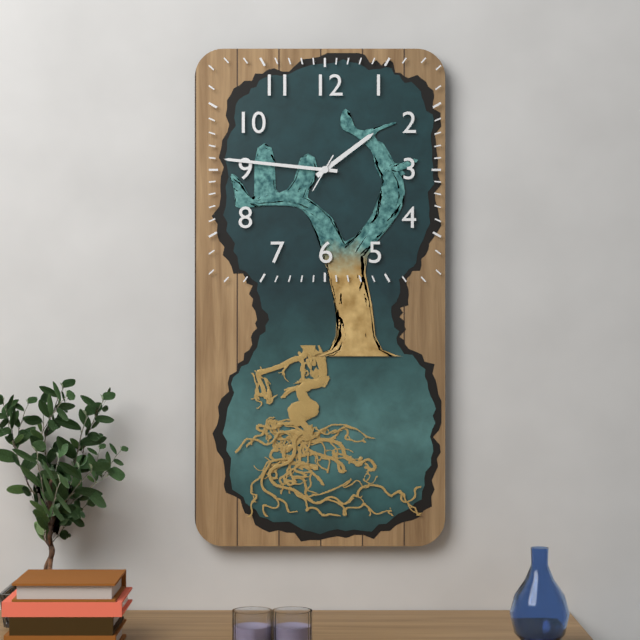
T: 1 h 46 min
